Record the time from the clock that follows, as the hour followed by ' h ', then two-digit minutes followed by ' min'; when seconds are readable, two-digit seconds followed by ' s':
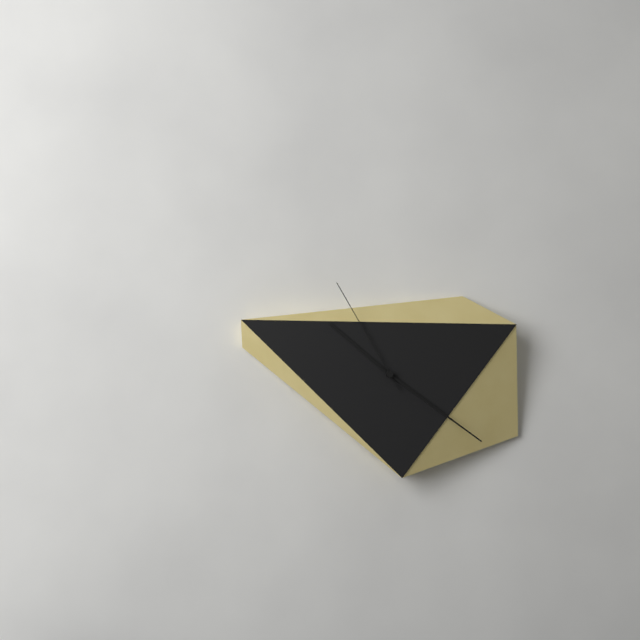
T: 10 h 21 min 55 s
